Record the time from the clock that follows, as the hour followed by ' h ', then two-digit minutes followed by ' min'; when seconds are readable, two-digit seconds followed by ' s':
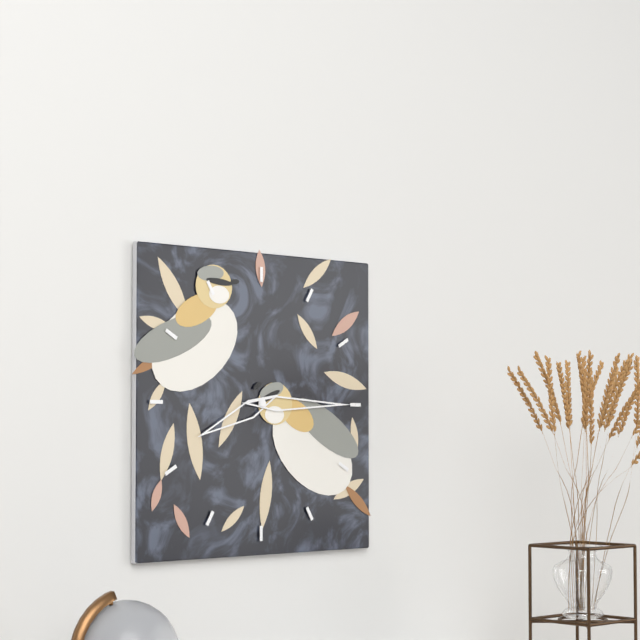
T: 8 h 15 min
